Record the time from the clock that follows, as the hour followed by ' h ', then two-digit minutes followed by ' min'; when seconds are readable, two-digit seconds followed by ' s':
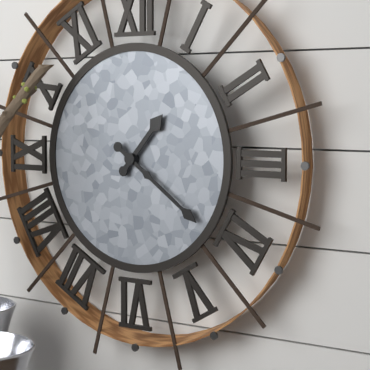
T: 1 h 21 min
